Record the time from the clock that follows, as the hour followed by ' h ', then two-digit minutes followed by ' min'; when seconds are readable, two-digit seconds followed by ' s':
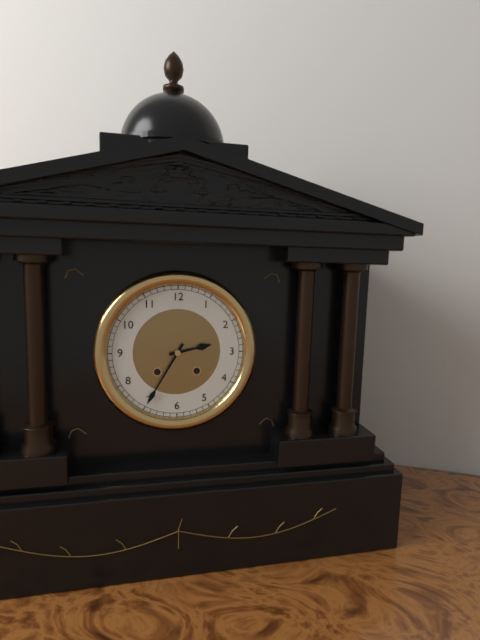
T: 2 h 35 min
